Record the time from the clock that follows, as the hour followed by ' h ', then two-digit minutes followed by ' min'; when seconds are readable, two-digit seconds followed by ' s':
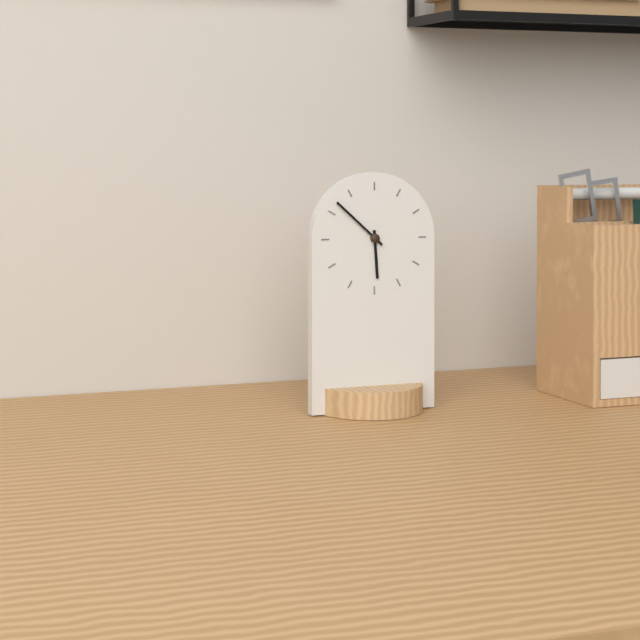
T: 5 h 52 min
